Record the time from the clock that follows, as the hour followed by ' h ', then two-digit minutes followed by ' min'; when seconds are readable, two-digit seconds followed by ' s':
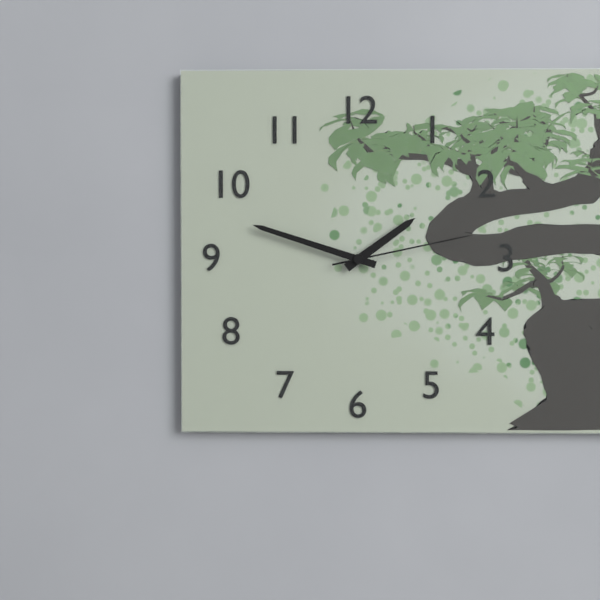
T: 1 h 48 min 13 s
